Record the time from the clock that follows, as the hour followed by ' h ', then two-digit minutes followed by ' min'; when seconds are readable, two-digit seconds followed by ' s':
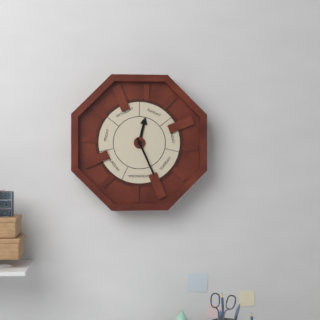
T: 12 h 26 min
